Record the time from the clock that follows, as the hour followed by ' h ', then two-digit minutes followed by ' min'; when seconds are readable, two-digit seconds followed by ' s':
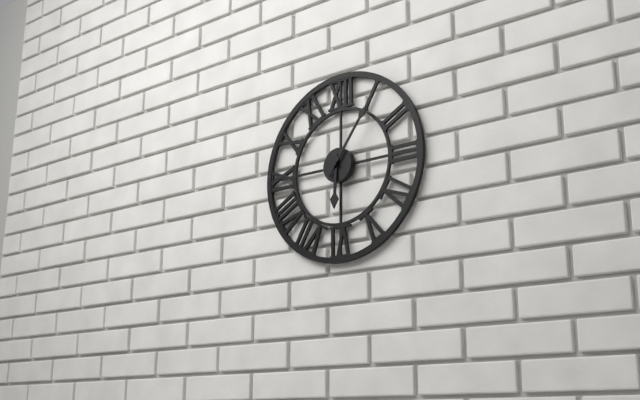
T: 6 h 06 min
